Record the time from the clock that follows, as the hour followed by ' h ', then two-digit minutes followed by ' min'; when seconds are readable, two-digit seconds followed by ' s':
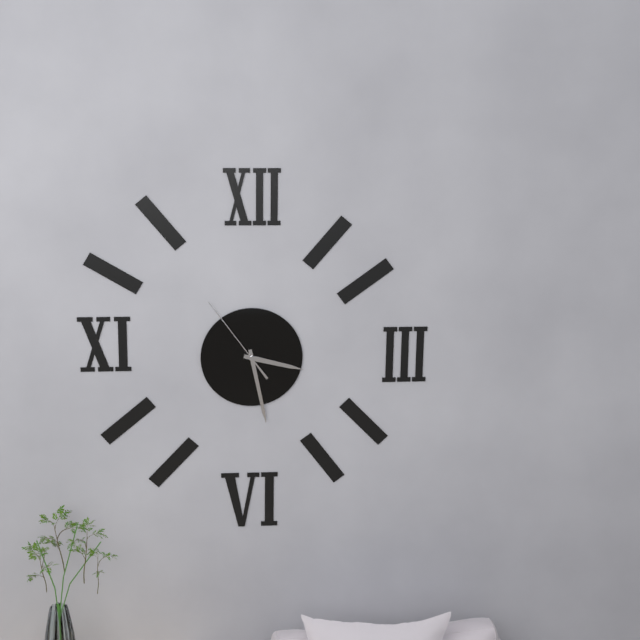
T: 3 h 28 min 54 s
